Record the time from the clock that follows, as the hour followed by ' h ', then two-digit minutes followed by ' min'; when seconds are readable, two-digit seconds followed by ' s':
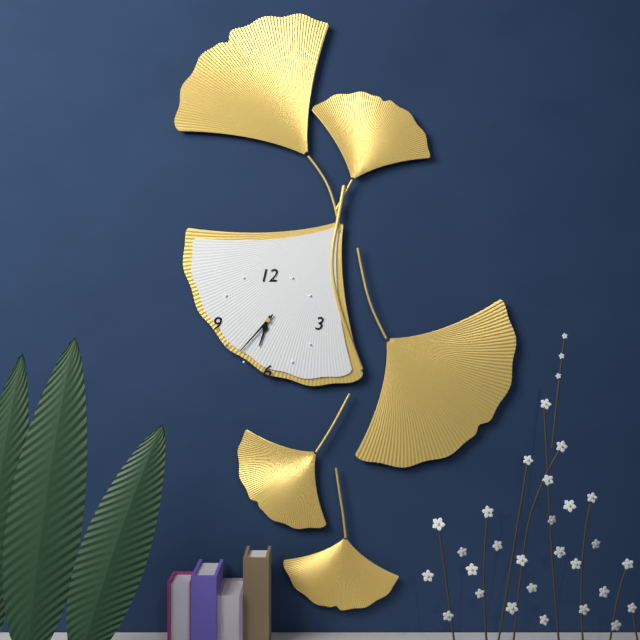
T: 6 h 37 min
